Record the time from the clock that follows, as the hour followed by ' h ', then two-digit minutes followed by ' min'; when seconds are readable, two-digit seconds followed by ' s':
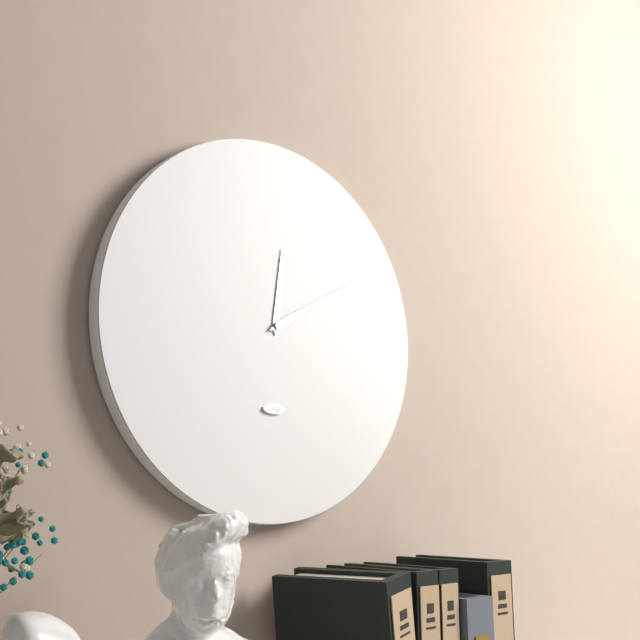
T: 12 h 10 min
